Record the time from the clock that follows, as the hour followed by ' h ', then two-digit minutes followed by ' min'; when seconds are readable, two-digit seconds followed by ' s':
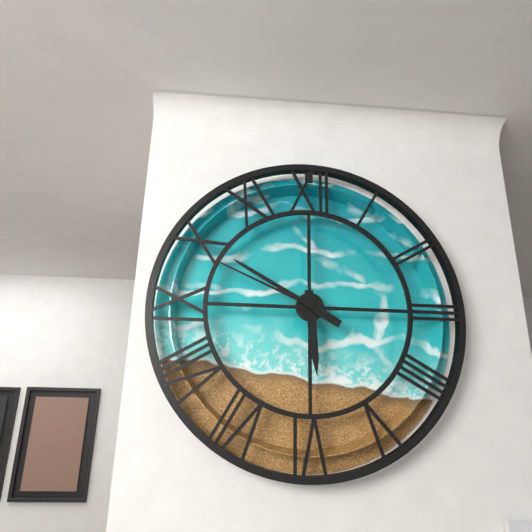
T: 5 h 50 min 49 s
